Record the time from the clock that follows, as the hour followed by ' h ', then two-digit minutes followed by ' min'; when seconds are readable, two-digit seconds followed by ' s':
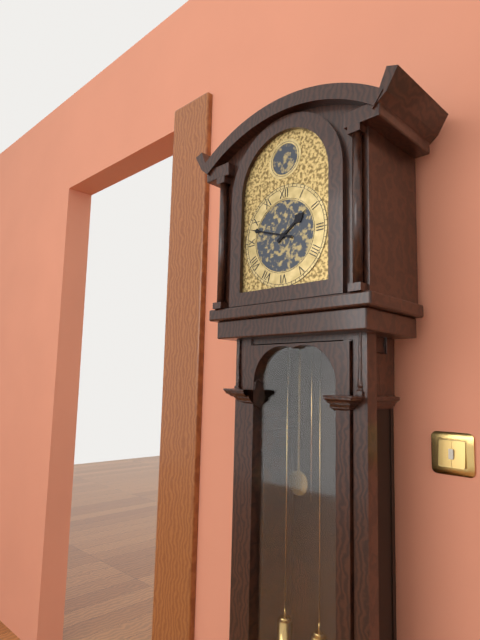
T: 1 h 48 min
